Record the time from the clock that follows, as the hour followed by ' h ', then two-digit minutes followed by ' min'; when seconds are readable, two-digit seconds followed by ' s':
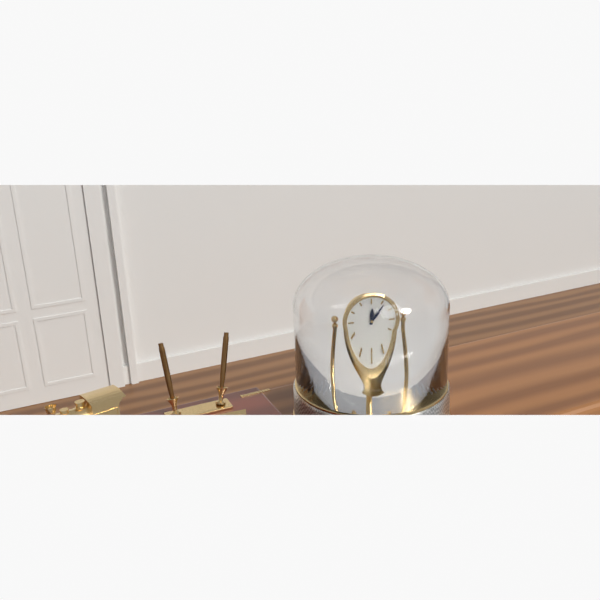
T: 12 h 06 min
